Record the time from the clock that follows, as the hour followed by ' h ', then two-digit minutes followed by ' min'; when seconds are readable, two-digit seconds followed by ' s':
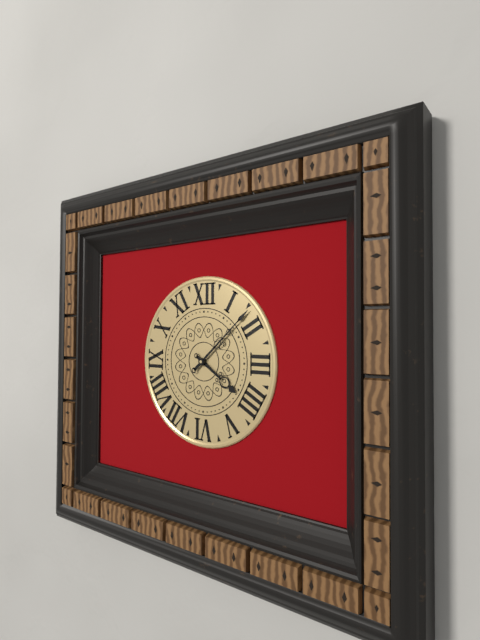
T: 4 h 08 min
